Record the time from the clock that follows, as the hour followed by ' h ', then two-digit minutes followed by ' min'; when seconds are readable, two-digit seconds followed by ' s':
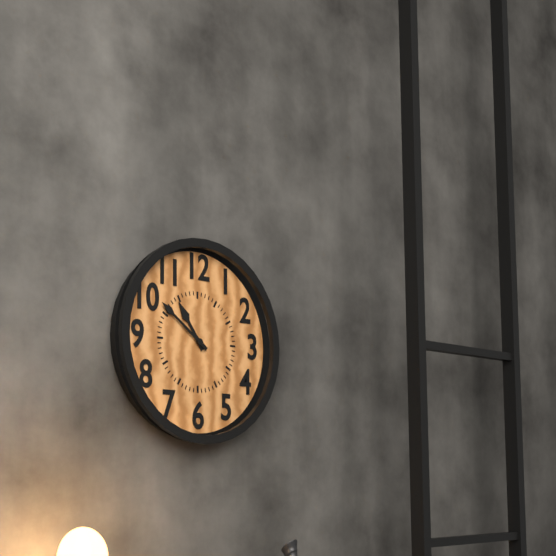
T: 10 h 51 min
